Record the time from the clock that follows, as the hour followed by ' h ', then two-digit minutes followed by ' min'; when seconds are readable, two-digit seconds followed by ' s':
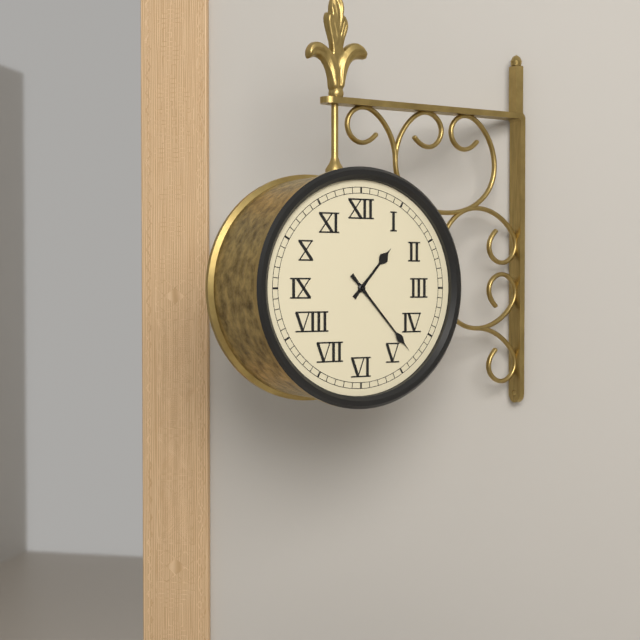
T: 1 h 23 min
